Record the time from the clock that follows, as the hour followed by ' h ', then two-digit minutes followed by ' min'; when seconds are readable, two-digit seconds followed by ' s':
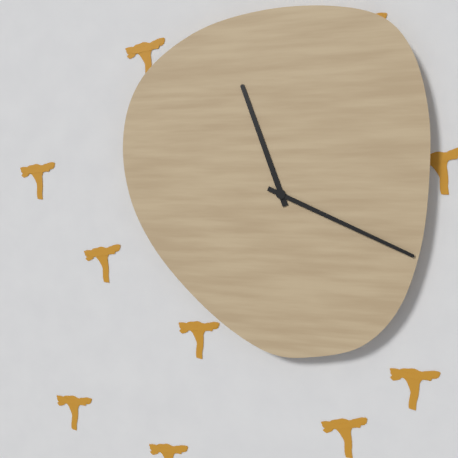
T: 11 h 19 min
